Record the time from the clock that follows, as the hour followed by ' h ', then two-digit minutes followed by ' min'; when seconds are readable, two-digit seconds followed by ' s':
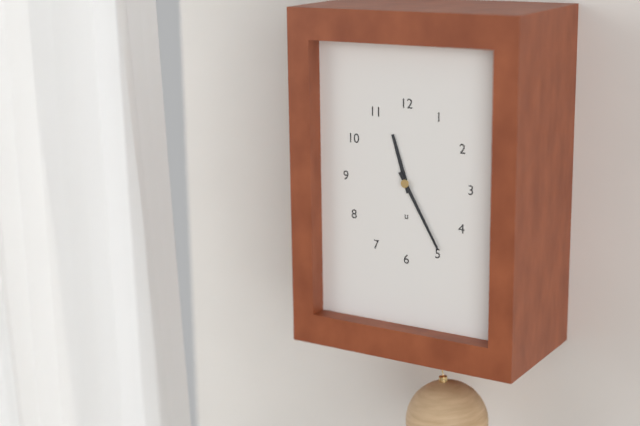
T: 11 h 25 min
